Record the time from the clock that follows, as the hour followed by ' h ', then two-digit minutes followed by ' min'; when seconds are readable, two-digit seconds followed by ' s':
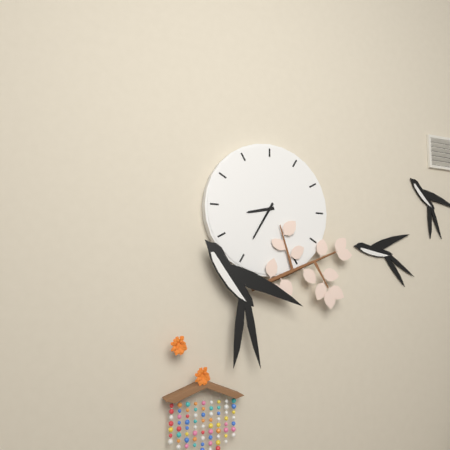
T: 8 h 35 min
